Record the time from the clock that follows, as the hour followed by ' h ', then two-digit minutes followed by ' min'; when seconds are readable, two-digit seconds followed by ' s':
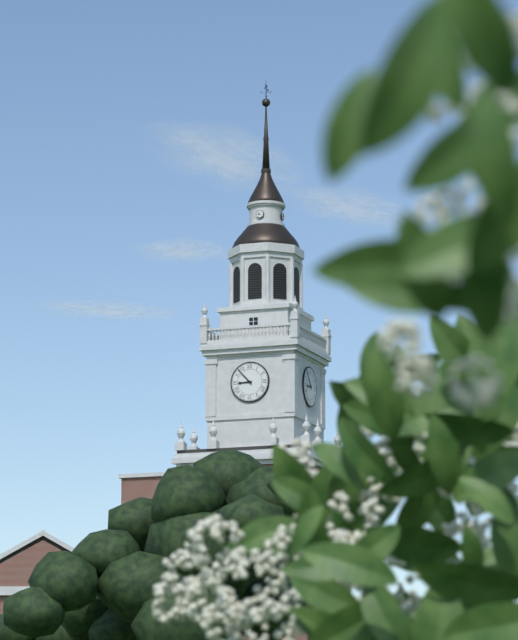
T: 8 h 53 min
